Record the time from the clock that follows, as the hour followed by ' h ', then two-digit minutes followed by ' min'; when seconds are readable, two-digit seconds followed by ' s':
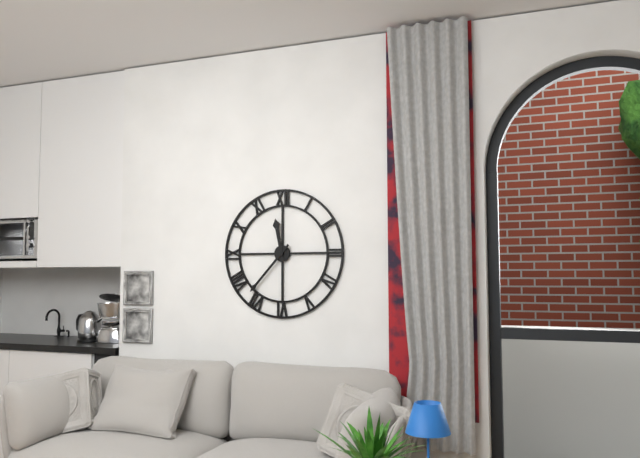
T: 11 h 37 min
